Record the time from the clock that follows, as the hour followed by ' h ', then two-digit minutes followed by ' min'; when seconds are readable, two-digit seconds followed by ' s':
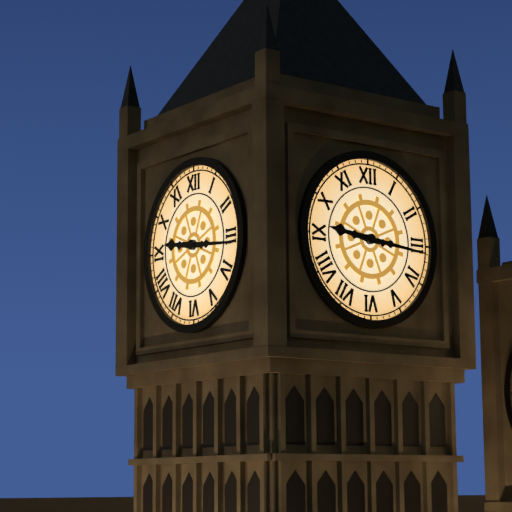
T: 9 h 16 min
